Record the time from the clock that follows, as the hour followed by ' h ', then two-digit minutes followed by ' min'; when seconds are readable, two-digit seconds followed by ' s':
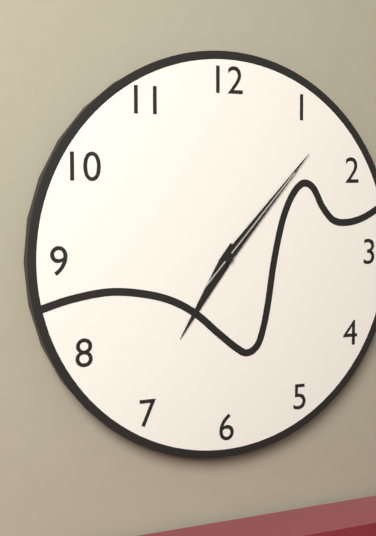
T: 7 h 07 min 07 s
